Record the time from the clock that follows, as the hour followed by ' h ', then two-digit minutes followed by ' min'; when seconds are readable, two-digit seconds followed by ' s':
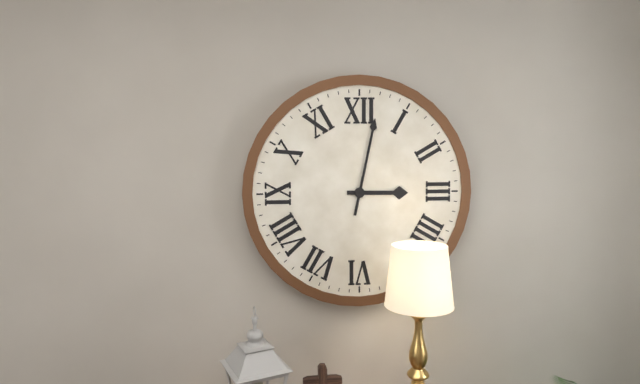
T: 3 h 02 min
